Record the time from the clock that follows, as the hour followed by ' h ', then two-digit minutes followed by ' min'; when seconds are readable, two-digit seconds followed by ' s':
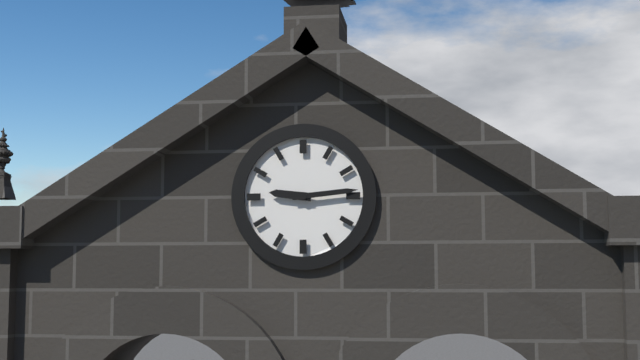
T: 9 h 14 min
